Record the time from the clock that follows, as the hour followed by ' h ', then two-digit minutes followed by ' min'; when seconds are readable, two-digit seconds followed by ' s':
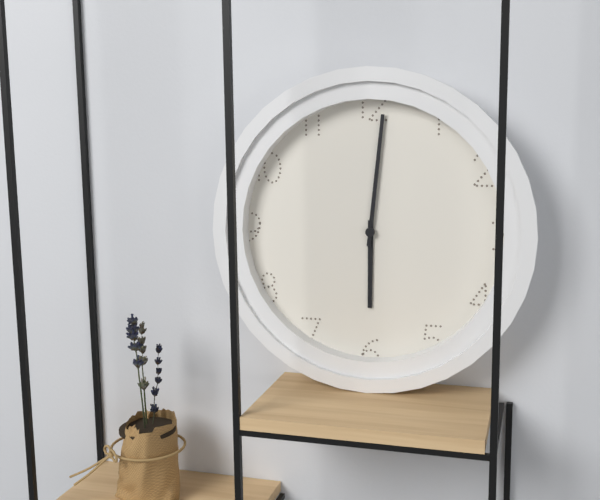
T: 6 h 01 min
